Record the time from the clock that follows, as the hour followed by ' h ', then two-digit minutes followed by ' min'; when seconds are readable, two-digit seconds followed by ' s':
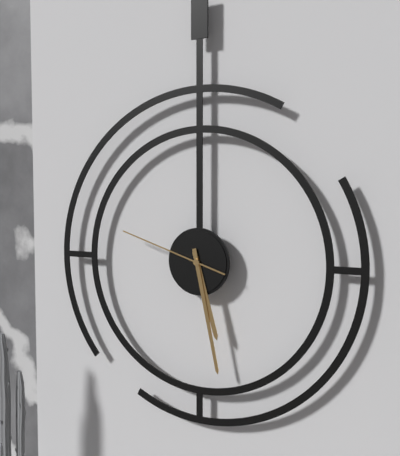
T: 5 h 28 min 48 s
